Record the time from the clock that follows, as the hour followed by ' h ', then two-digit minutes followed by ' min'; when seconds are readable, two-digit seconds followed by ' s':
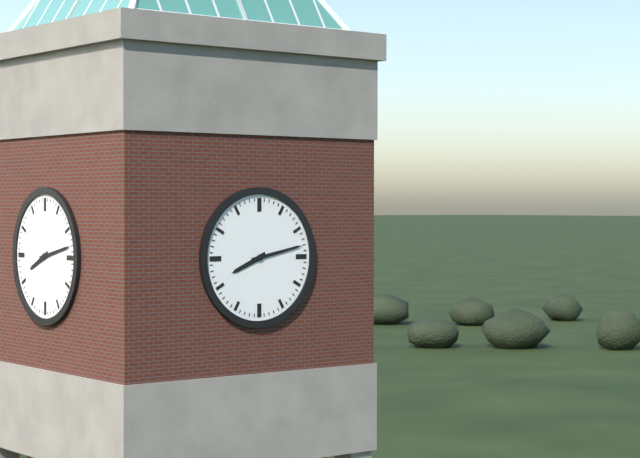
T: 8 h 13 min
